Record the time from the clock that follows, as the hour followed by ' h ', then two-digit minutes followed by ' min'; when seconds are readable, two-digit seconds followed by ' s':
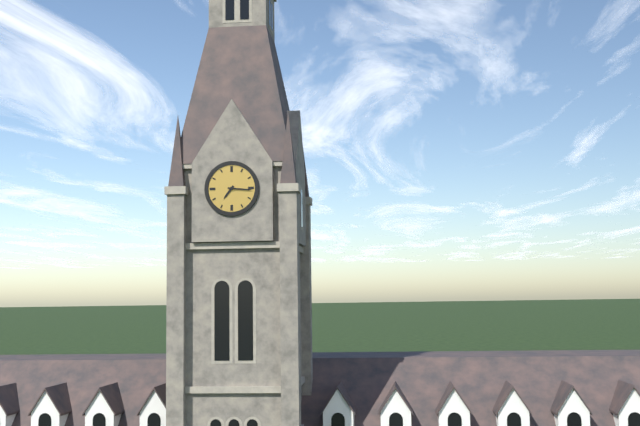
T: 7 h 16 min
